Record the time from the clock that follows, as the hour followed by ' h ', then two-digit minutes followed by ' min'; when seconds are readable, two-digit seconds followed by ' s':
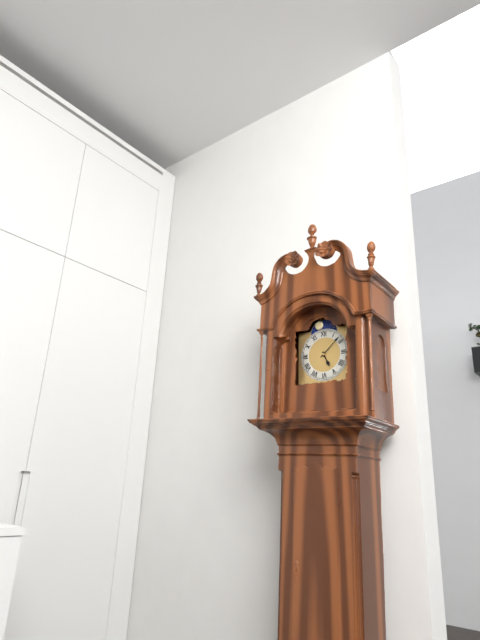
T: 5 h 08 min
